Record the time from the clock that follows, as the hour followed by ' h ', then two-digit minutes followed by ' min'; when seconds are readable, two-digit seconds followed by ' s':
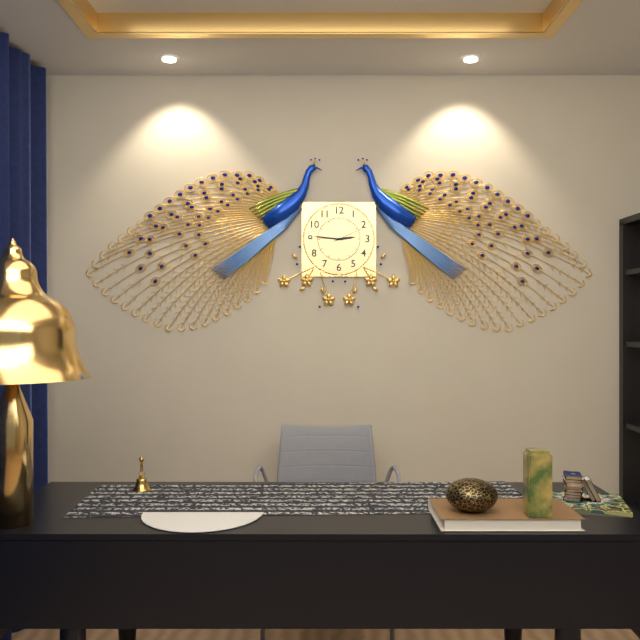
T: 2 h 46 min
